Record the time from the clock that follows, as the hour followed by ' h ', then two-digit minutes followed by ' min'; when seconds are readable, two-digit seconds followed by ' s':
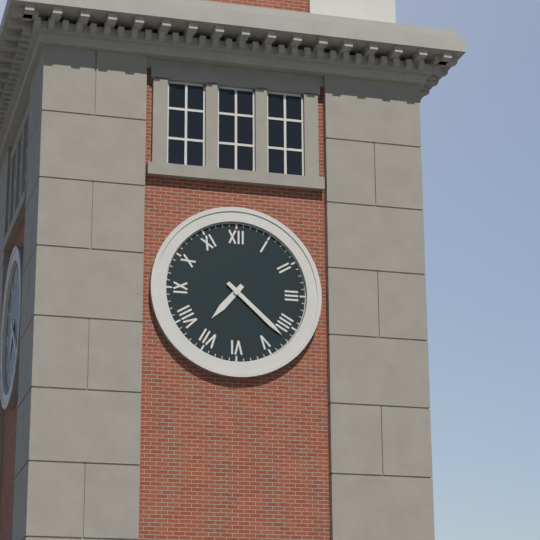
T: 7 h 22 min
